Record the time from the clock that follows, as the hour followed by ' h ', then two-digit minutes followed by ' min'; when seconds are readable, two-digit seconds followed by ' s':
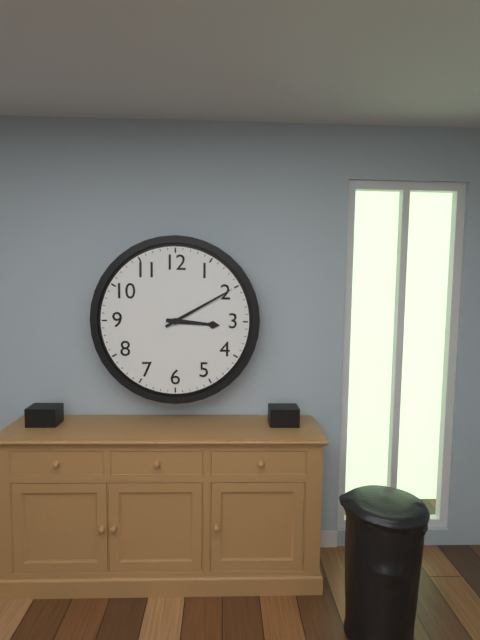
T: 3 h 10 min
